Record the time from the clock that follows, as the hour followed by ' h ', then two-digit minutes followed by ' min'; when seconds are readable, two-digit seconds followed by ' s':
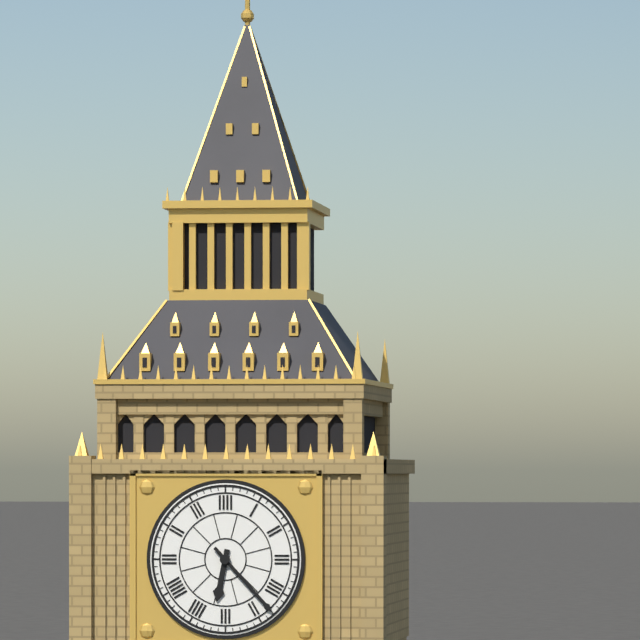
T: 6 h 23 min
